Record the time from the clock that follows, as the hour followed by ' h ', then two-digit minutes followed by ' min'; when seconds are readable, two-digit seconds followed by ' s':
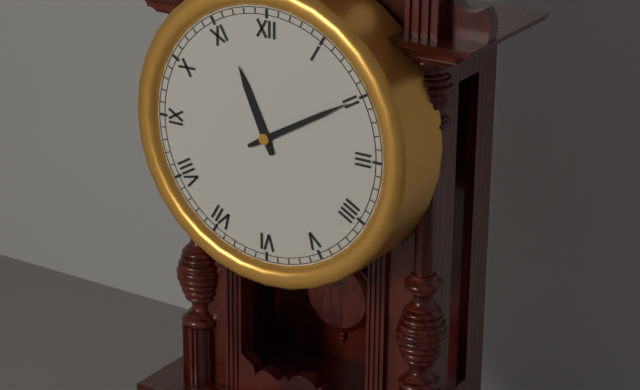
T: 11 h 10 min
